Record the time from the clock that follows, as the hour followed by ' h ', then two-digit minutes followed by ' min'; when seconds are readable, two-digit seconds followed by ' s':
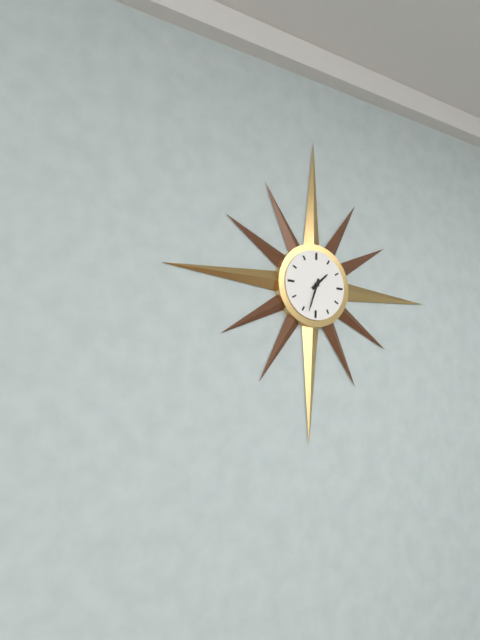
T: 1 h 33 min
